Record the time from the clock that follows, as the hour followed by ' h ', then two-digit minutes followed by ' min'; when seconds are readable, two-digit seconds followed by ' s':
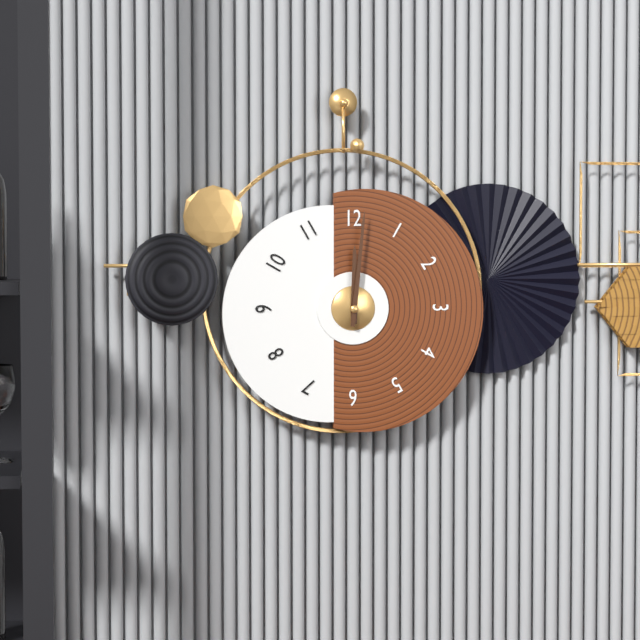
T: 12 h 01 min
